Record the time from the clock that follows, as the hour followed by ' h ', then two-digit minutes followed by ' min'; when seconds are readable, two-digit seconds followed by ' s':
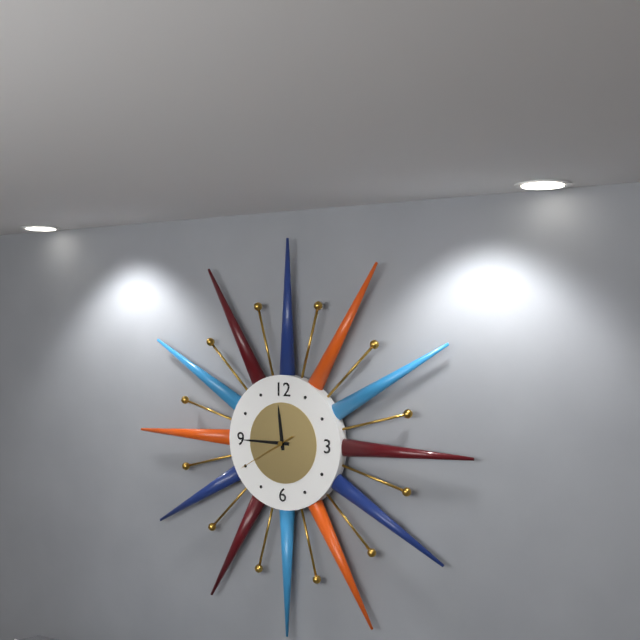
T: 11 h 45 min 40 s
